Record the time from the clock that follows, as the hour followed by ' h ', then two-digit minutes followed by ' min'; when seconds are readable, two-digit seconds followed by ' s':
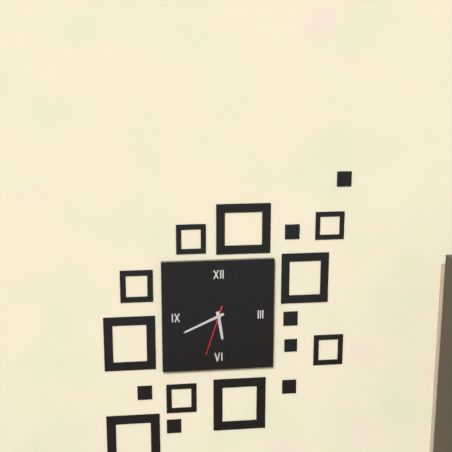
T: 5 h 41 min 33 s
